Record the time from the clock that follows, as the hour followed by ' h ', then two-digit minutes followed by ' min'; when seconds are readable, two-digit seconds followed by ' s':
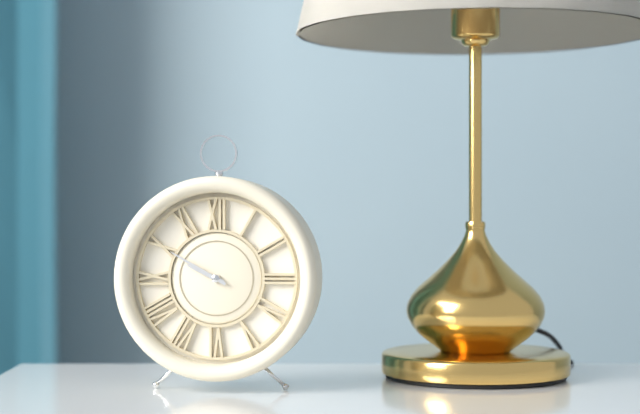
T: 9 h 50 min
